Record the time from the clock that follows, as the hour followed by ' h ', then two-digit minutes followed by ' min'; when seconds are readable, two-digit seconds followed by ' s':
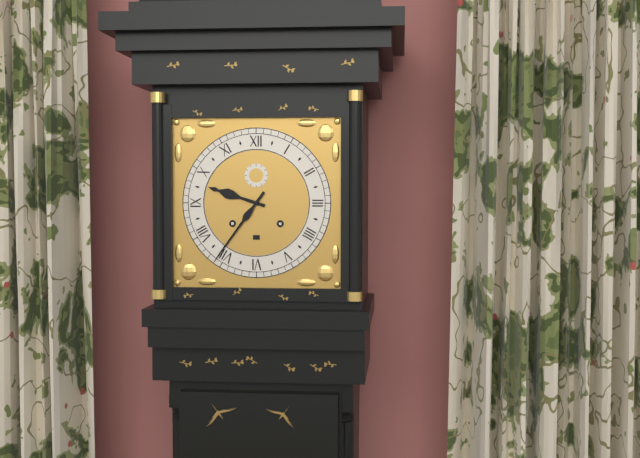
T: 9 h 36 min
